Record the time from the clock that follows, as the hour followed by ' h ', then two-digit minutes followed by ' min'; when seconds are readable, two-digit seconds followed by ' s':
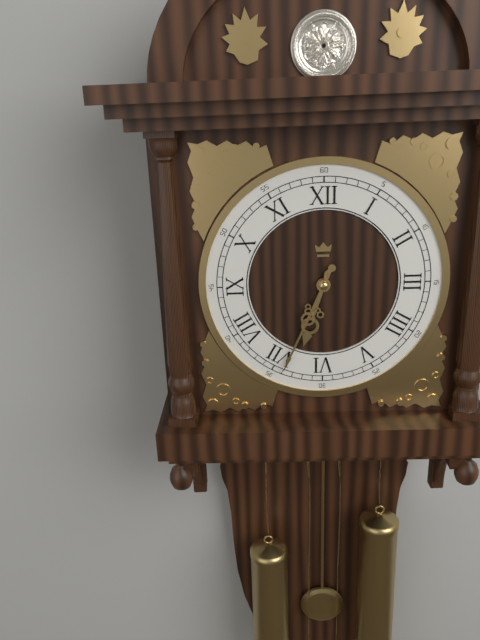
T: 6 h 34 min
